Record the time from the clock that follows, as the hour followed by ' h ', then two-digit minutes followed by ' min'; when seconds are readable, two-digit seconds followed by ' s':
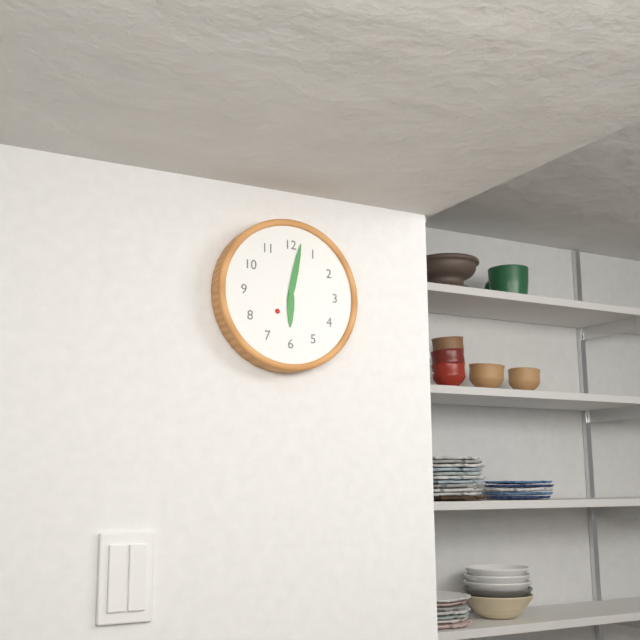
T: 6 h 02 min
